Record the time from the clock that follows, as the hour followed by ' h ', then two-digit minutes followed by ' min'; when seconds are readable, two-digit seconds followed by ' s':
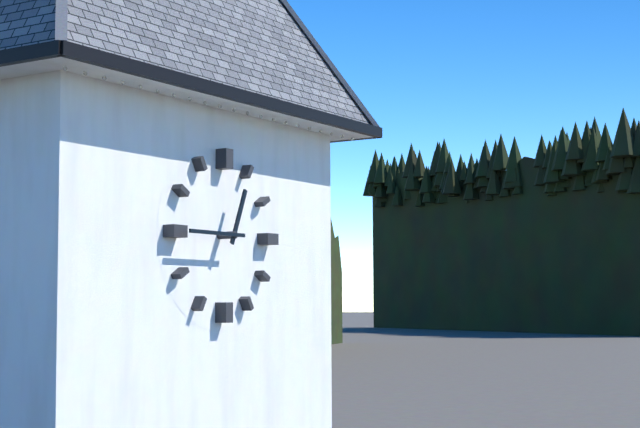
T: 12 h 45 min
